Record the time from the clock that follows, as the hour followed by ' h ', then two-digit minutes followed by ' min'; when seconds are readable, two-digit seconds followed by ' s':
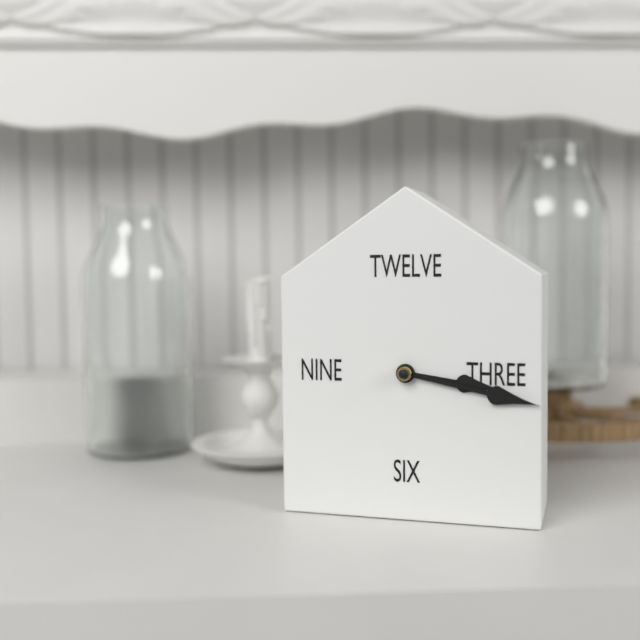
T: 3 h 17 min
